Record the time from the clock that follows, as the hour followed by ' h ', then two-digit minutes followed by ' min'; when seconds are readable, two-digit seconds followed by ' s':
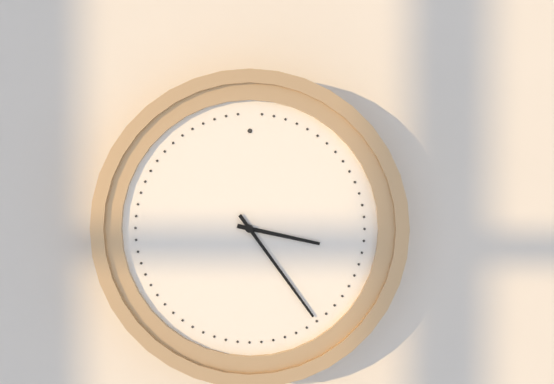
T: 3 h 24 min
